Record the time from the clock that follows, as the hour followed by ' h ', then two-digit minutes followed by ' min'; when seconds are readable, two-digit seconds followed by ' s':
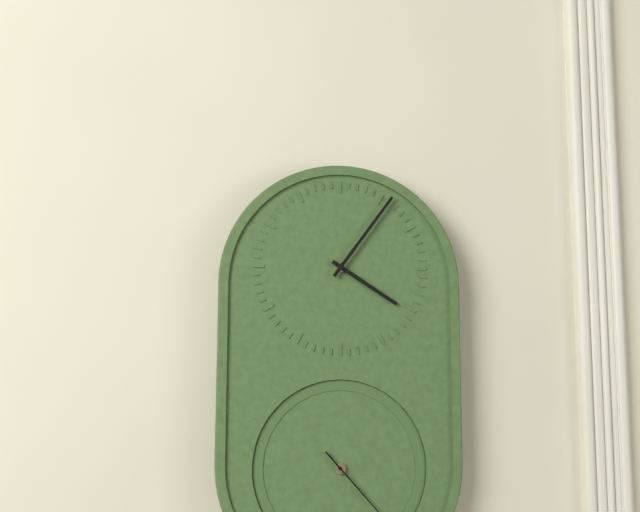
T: 4 h 06 min
